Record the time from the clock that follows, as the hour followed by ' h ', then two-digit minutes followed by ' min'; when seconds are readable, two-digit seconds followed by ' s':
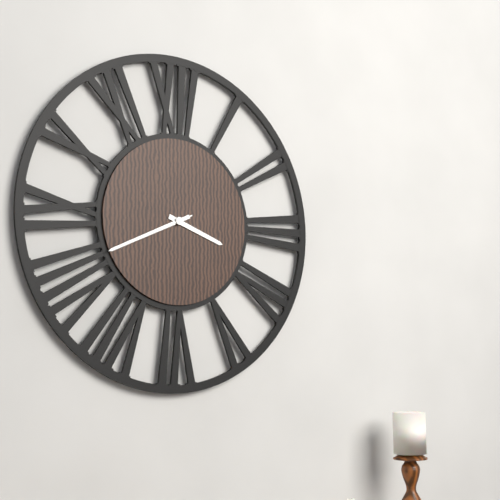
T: 3 h 41 min 41 s
